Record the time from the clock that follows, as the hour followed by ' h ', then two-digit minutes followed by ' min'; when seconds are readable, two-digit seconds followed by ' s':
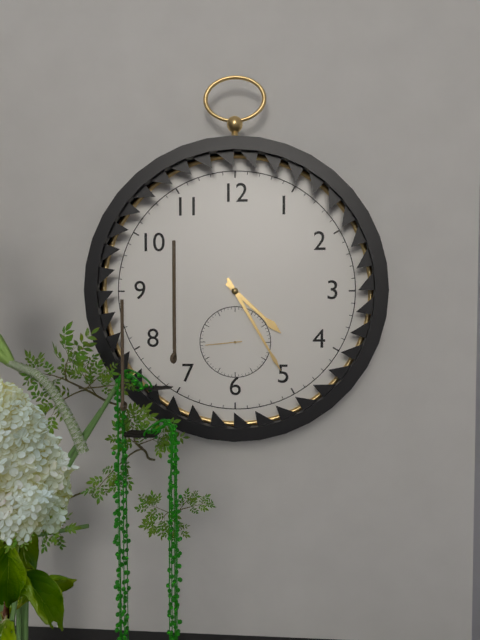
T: 4 h 25 min
